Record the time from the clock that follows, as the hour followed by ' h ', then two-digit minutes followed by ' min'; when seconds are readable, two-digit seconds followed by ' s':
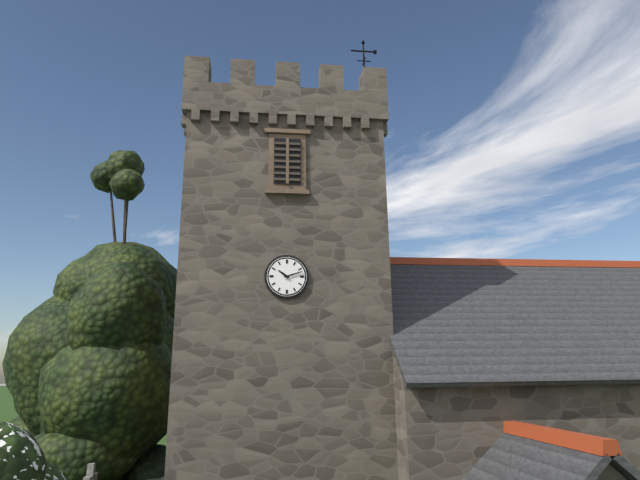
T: 10 h 12 min
